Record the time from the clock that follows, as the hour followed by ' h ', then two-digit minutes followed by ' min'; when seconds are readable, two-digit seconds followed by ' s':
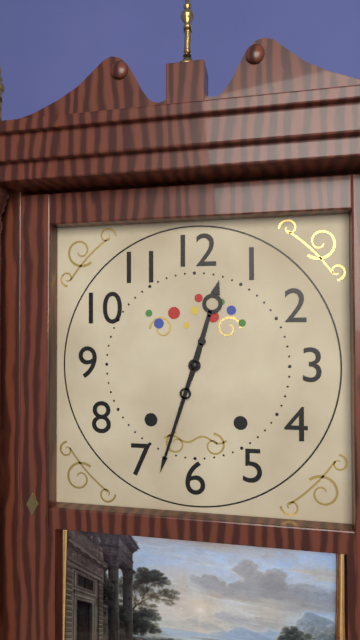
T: 12 h 33 min
